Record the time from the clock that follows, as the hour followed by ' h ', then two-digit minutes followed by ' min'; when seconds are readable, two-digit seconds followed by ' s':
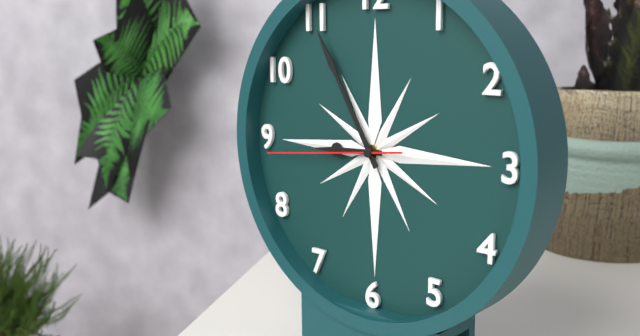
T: 8 h 55 min 44 s
